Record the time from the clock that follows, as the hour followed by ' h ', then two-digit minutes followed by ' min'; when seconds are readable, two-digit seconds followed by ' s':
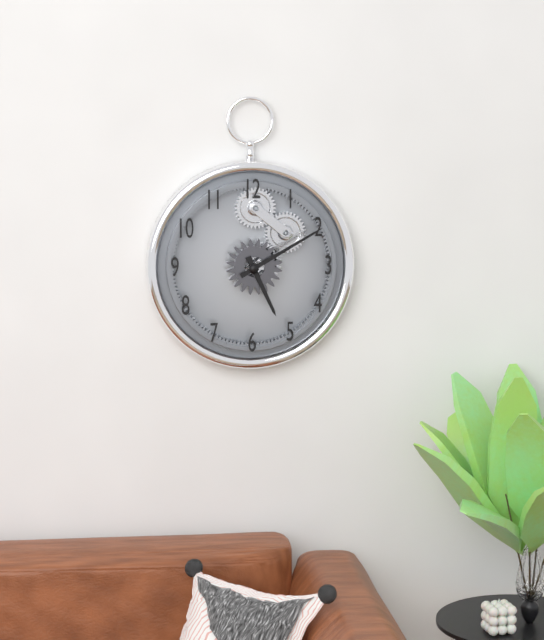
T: 5 h 10 min
